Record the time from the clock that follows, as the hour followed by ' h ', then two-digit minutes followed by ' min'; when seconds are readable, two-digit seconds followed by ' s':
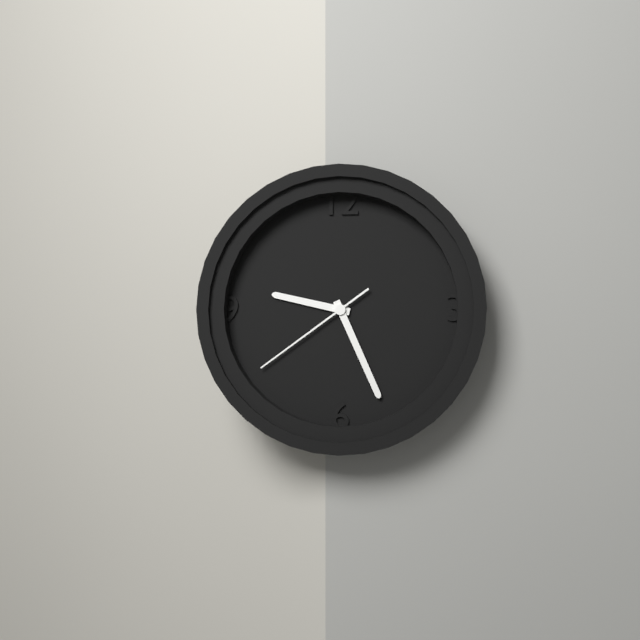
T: 9 h 26 min 39 s
